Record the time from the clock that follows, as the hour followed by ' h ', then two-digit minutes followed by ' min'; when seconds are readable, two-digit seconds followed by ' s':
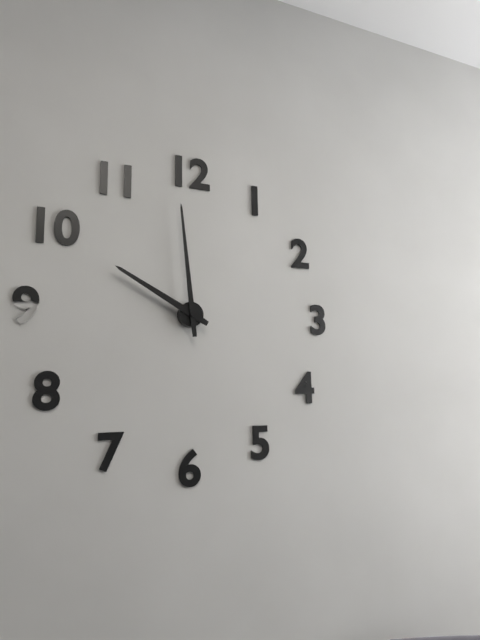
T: 9 h 59 min
